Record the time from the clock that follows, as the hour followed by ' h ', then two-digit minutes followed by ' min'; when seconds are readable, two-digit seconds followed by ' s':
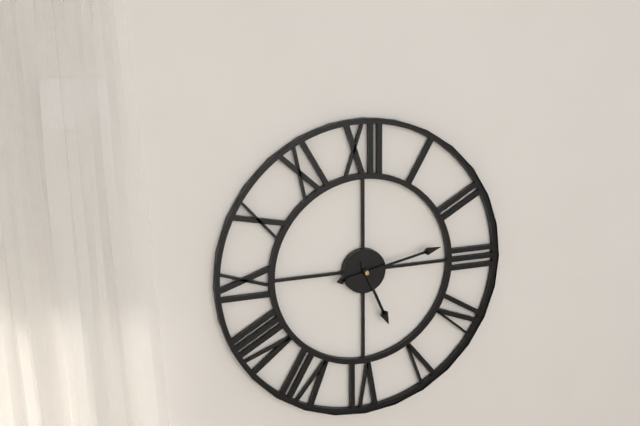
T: 5 h 13 min
